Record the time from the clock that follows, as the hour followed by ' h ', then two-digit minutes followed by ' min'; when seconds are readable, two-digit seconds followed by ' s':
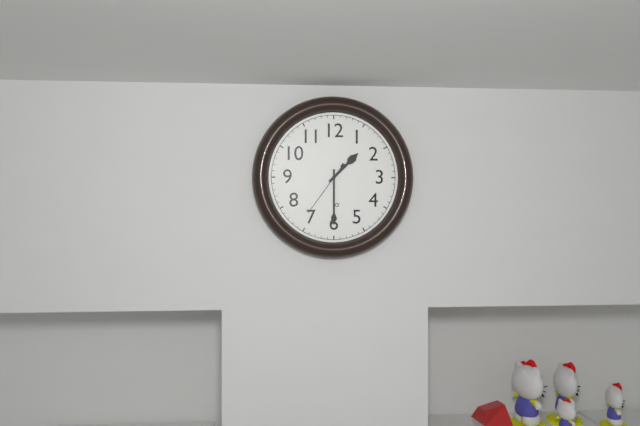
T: 1 h 30 min 36 s
